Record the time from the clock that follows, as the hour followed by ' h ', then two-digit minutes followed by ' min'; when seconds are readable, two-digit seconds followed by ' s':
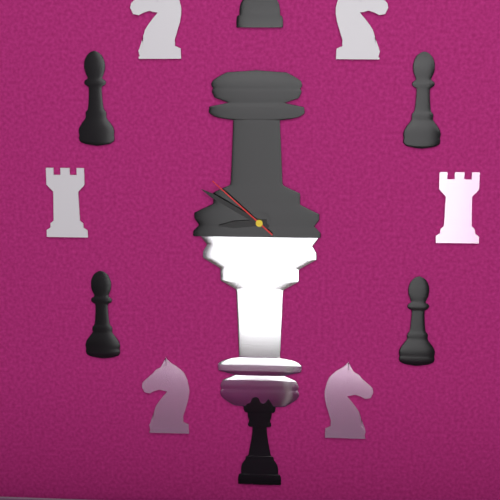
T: 8 h 50 min 52 s
